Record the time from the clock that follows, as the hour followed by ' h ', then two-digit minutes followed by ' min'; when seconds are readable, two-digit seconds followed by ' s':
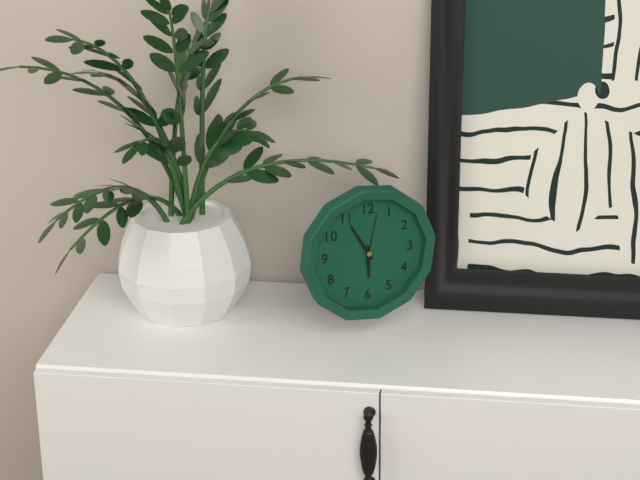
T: 5 h 55 min 02 s
